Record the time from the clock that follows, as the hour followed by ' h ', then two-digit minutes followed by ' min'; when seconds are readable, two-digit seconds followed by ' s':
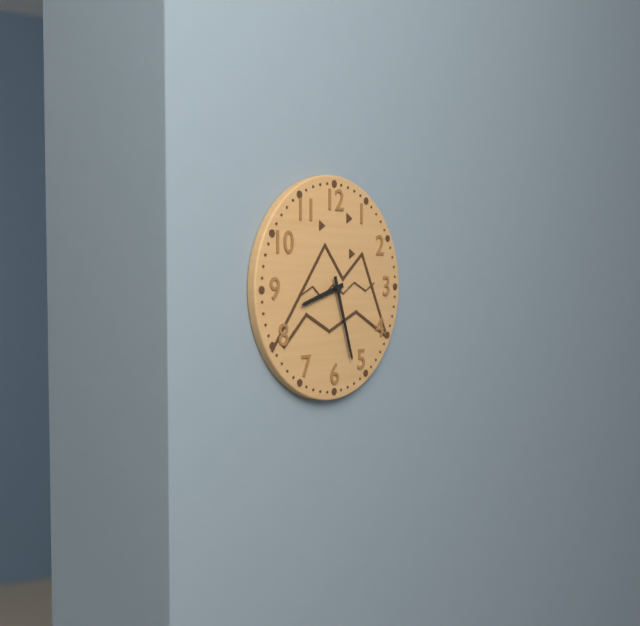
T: 8 h 27 min
